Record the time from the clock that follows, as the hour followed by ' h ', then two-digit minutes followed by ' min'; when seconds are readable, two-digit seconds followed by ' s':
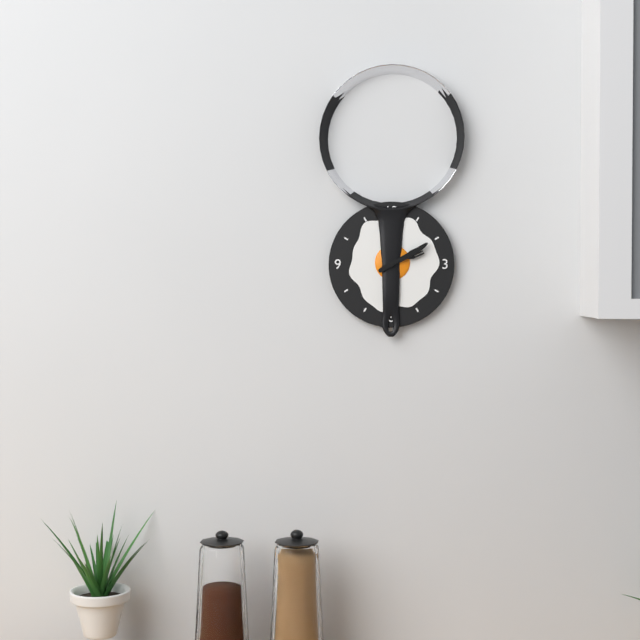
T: 2 h 10 min
